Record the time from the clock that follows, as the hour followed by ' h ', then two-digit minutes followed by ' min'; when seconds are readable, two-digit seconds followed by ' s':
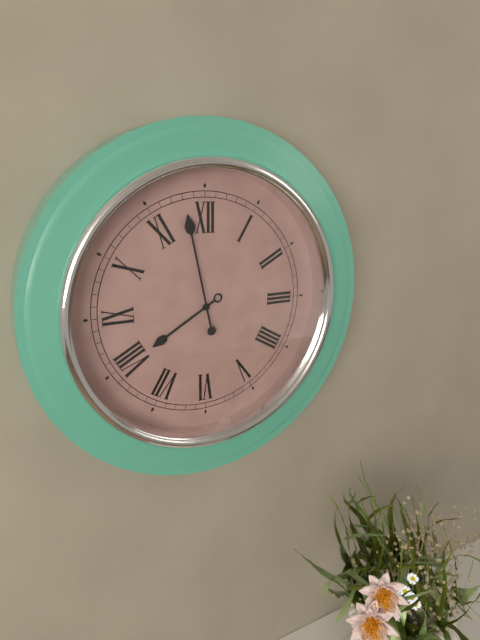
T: 7 h 58 min
